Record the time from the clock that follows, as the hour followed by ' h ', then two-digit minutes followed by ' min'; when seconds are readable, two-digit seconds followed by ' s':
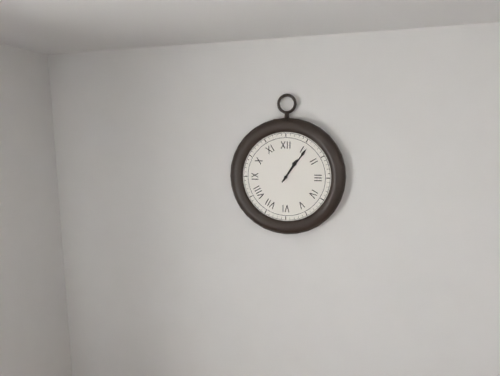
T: 1 h 06 min
